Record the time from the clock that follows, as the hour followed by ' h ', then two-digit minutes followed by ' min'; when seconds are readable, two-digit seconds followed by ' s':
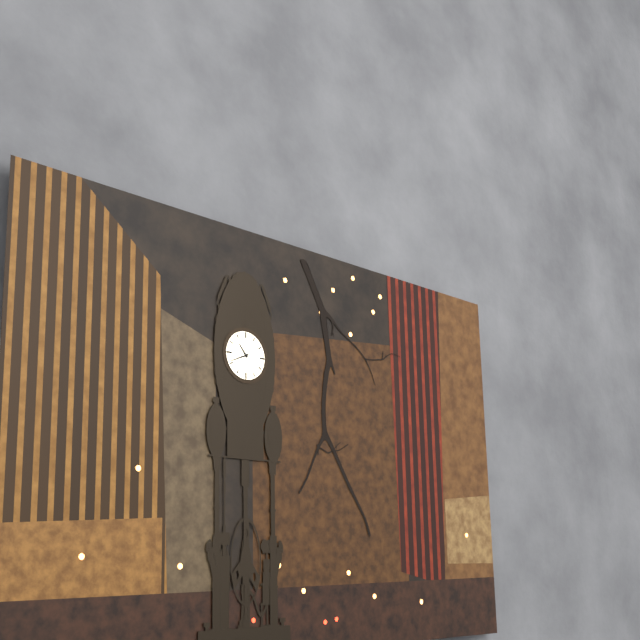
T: 10 h 41 min
